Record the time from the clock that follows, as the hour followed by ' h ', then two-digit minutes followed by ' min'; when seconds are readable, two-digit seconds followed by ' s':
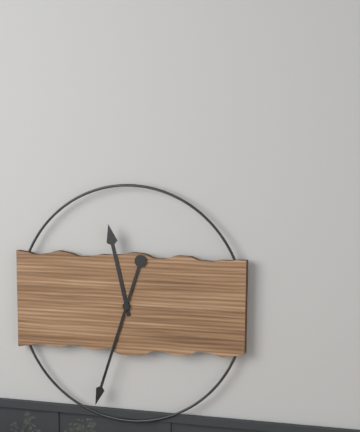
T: 11 h 33 min
